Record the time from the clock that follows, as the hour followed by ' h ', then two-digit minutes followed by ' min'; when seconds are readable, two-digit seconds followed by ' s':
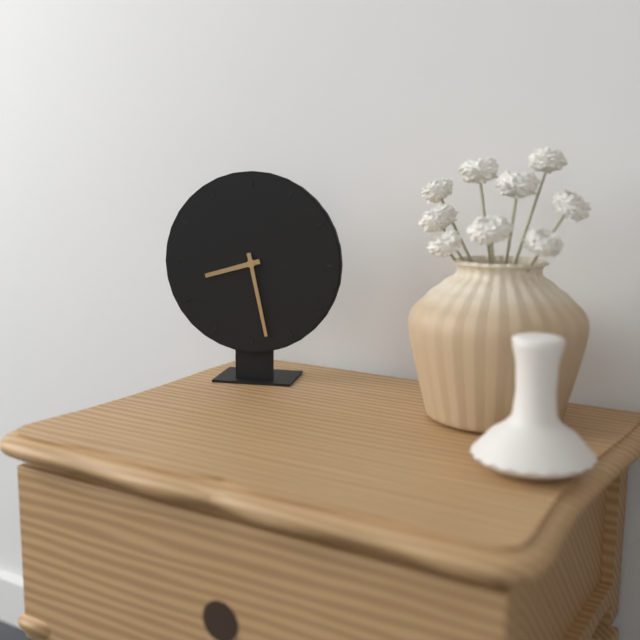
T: 8 h 28 min
